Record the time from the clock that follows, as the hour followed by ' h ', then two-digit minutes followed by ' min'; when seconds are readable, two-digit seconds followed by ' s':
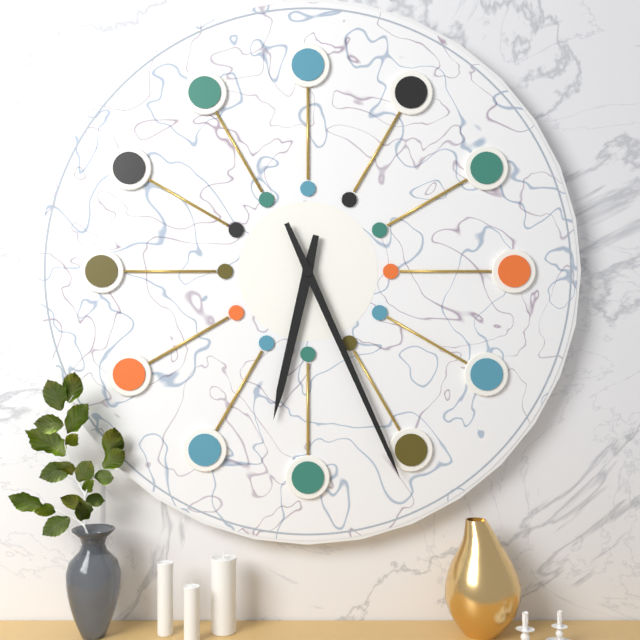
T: 6 h 26 min
